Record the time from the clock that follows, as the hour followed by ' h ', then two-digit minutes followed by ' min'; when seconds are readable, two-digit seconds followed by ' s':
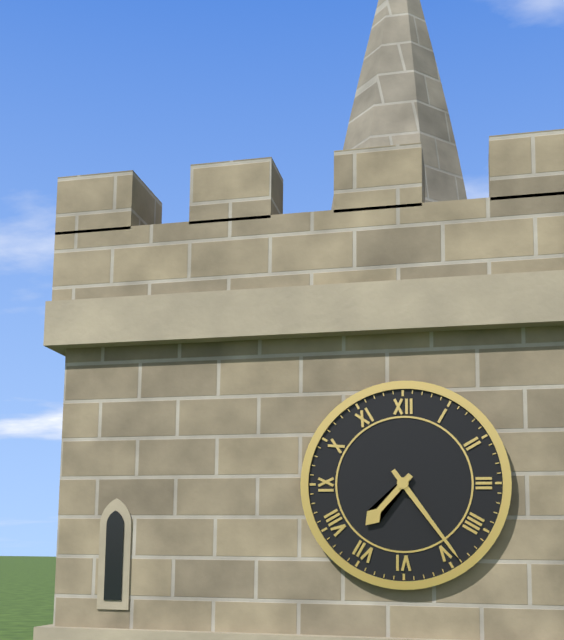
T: 7 h 24 min
